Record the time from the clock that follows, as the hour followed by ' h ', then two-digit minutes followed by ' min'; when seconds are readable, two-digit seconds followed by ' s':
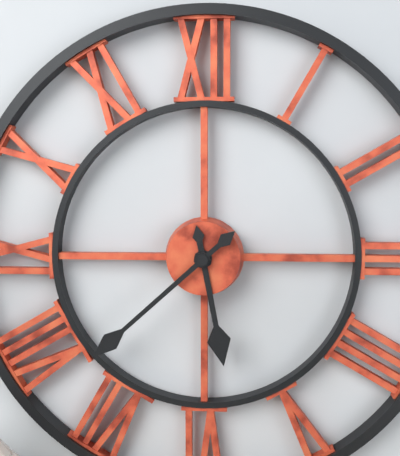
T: 5 h 38 min
